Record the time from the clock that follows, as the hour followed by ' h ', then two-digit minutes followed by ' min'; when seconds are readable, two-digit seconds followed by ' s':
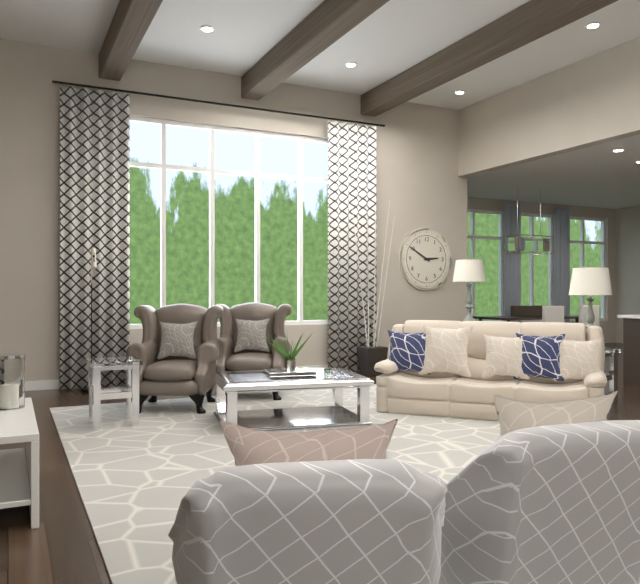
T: 2 h 50 min
